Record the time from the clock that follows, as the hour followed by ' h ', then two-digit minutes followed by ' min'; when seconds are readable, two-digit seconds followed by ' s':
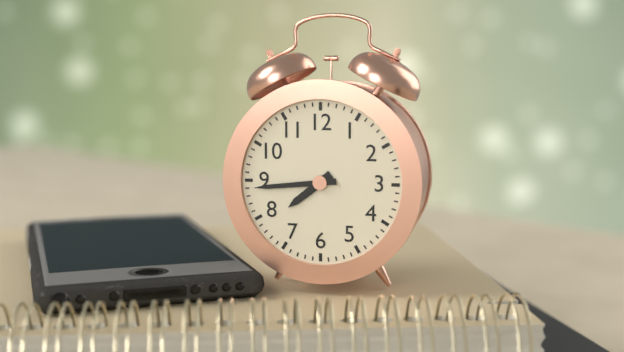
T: 7 h 44 min
